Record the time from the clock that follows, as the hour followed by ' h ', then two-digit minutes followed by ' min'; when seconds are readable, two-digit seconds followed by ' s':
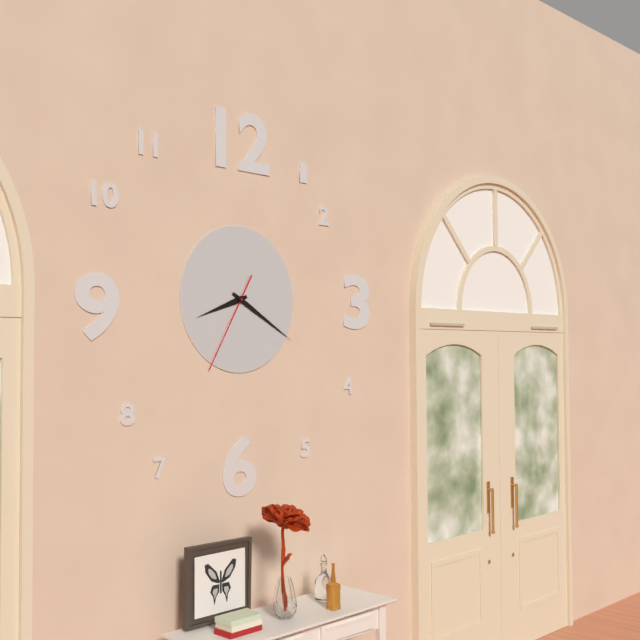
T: 8 h 20 min 35 s
